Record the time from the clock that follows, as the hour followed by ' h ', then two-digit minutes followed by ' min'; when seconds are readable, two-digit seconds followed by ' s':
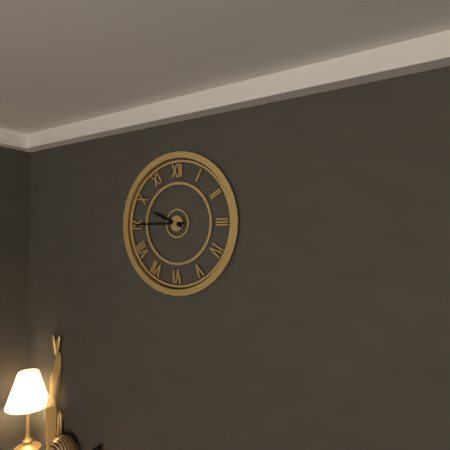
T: 9 h 45 min
